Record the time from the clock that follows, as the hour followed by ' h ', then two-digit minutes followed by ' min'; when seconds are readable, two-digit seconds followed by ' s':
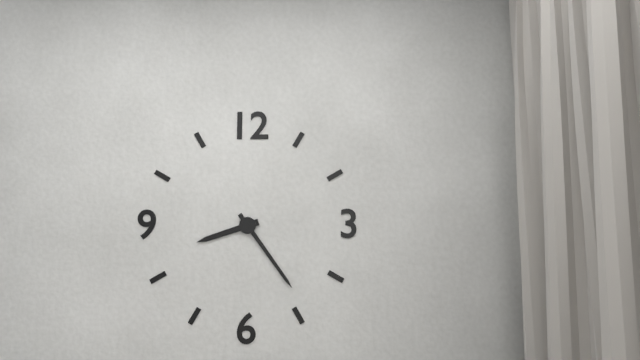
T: 8 h 24 min
